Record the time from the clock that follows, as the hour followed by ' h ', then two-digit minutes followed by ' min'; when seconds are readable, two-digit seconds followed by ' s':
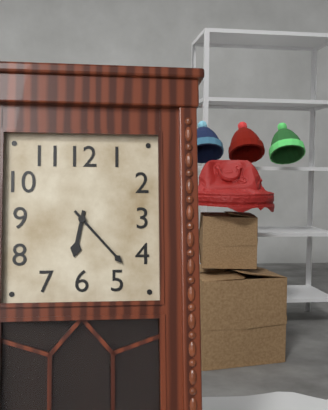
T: 6 h 23 min
